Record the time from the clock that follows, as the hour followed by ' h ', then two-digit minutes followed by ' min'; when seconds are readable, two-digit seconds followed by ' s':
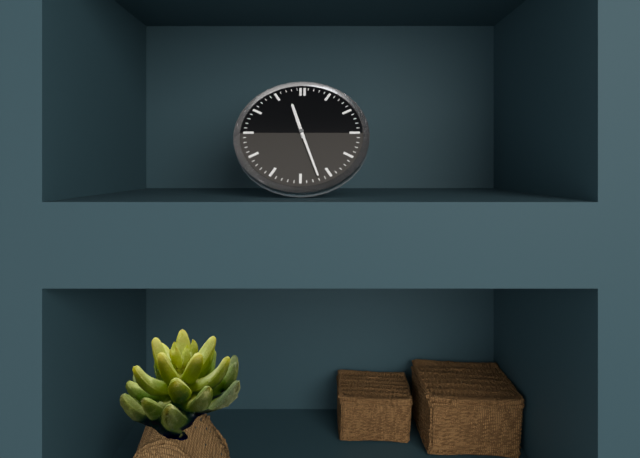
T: 11 h 27 min
